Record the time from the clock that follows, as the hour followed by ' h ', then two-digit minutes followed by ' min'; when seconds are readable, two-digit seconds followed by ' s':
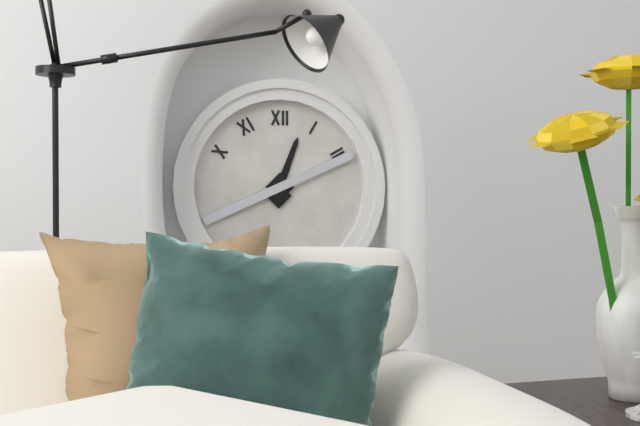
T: 12 h 41 min
